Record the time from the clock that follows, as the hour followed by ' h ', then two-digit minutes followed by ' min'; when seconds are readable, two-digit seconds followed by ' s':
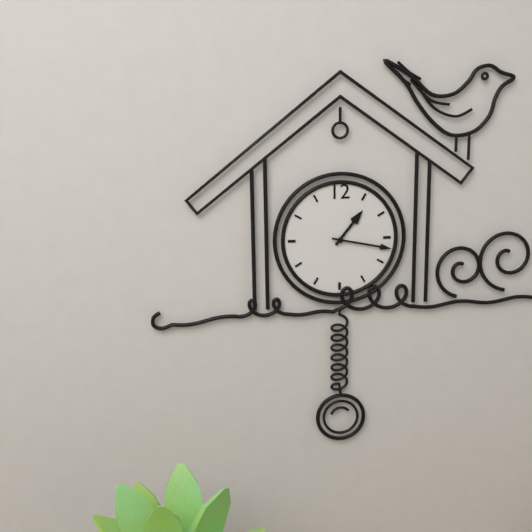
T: 1 h 17 min
